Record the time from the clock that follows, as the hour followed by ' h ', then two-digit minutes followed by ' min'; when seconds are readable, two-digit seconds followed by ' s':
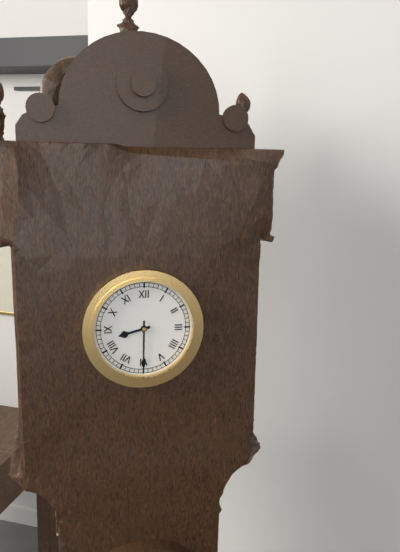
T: 8 h 30 min
